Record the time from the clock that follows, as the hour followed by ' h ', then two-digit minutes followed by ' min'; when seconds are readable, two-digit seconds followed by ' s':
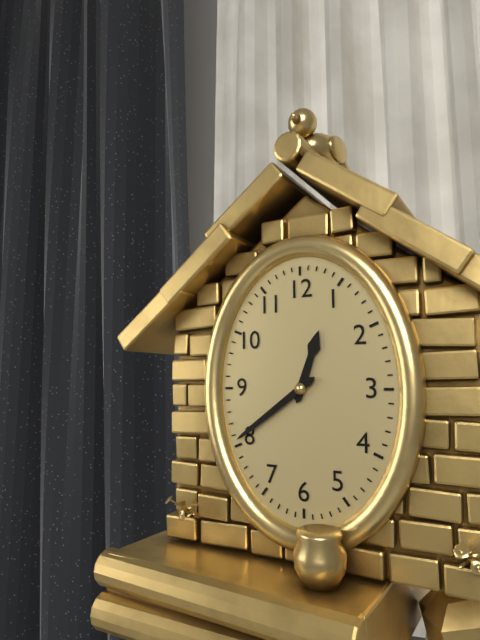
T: 12 h 39 min
